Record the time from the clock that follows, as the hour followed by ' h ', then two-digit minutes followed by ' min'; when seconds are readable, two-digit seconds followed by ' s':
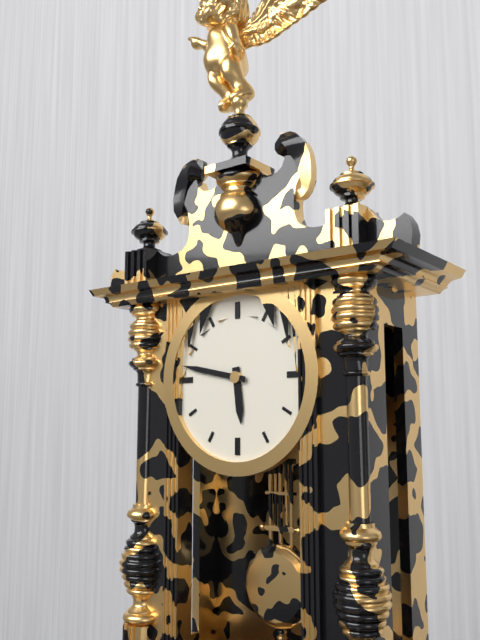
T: 5 h 47 min
